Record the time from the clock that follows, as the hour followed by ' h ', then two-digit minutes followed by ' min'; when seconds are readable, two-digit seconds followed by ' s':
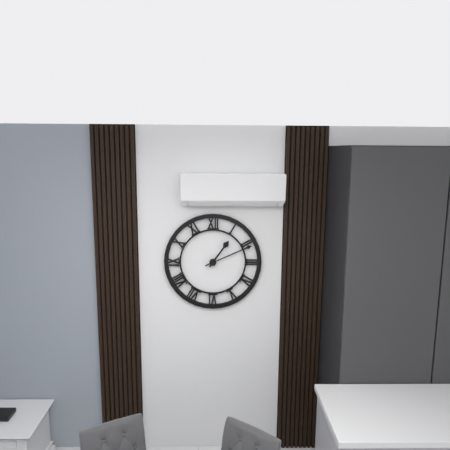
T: 1 h 11 min
